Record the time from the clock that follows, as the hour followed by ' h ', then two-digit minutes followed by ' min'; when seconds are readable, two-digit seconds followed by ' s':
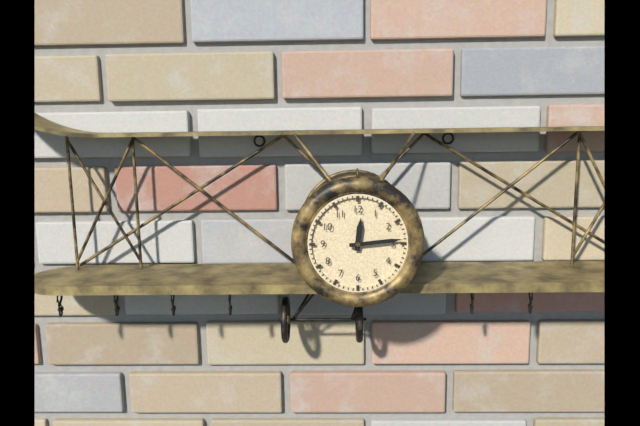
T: 12 h 14 min
